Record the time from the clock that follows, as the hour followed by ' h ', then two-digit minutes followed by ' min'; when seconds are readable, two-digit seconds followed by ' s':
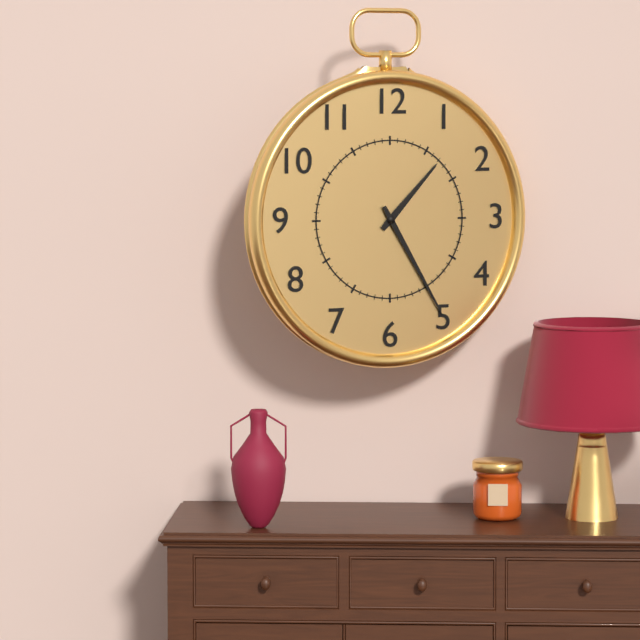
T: 1 h 25 min
